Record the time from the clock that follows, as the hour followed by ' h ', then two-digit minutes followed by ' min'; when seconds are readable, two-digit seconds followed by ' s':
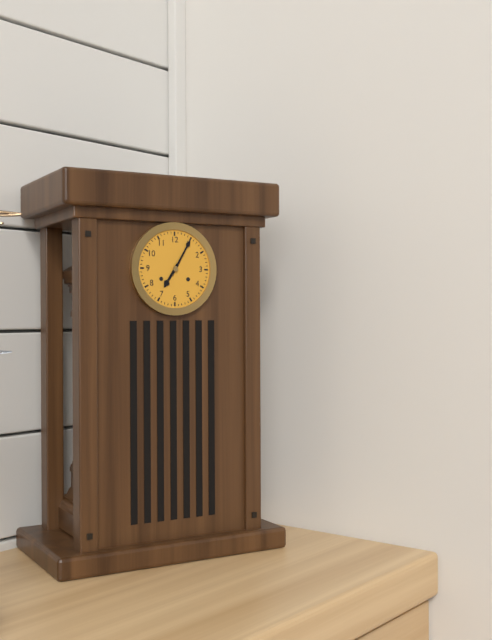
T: 7 h 05 min
